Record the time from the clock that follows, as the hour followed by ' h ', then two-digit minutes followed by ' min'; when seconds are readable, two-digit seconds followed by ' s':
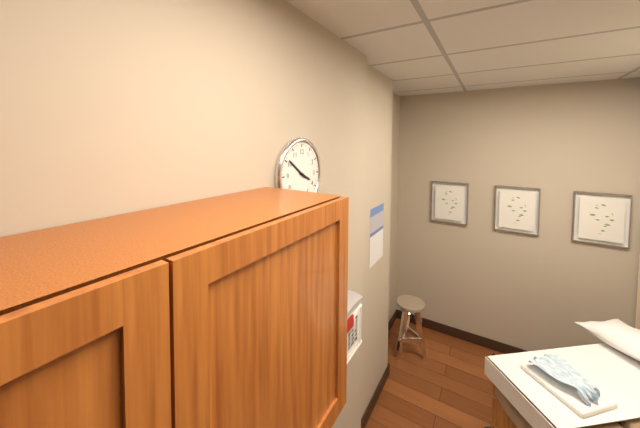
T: 3 h 51 min
